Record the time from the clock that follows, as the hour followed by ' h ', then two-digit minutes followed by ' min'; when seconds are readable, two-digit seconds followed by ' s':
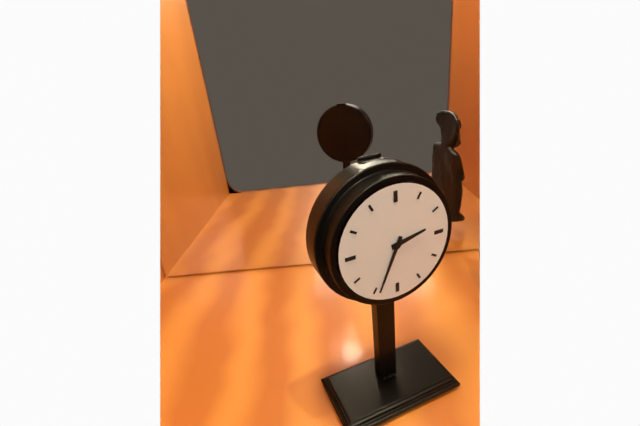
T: 2 h 34 min
